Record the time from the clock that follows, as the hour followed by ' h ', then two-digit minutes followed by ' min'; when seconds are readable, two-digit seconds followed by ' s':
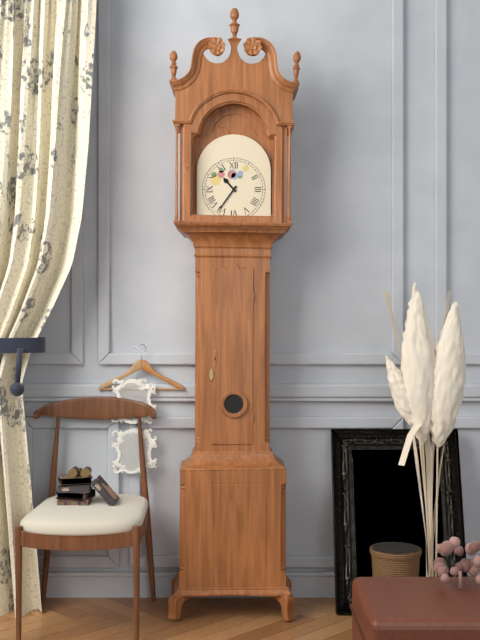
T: 10 h 36 min
